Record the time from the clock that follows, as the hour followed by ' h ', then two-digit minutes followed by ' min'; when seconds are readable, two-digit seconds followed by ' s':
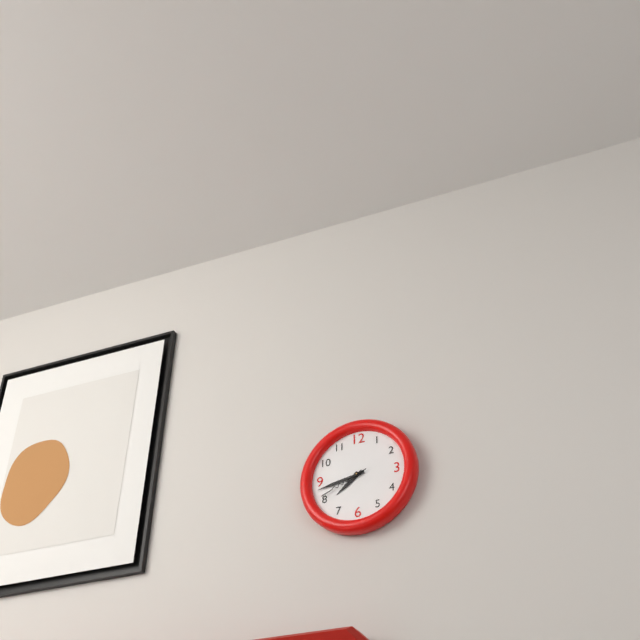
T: 7 h 43 min 41 s
